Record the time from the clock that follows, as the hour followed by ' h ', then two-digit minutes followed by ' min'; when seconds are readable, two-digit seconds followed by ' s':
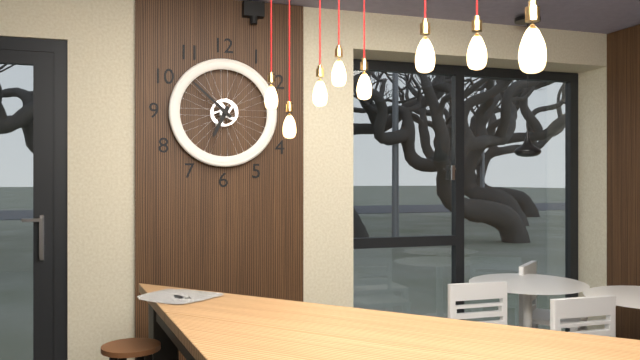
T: 6 h 52 min
